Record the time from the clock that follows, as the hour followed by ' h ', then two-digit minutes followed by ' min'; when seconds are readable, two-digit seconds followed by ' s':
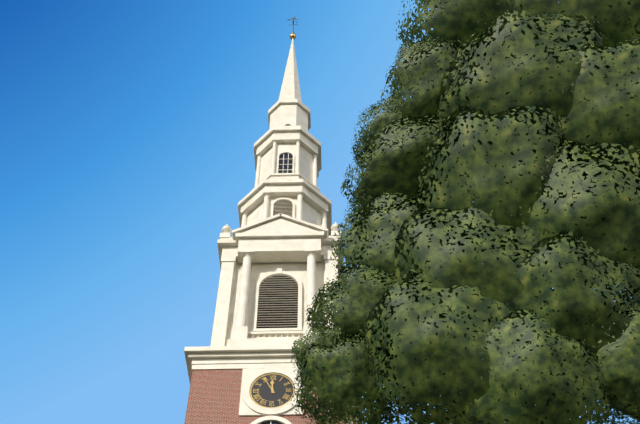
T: 11 h 55 min
